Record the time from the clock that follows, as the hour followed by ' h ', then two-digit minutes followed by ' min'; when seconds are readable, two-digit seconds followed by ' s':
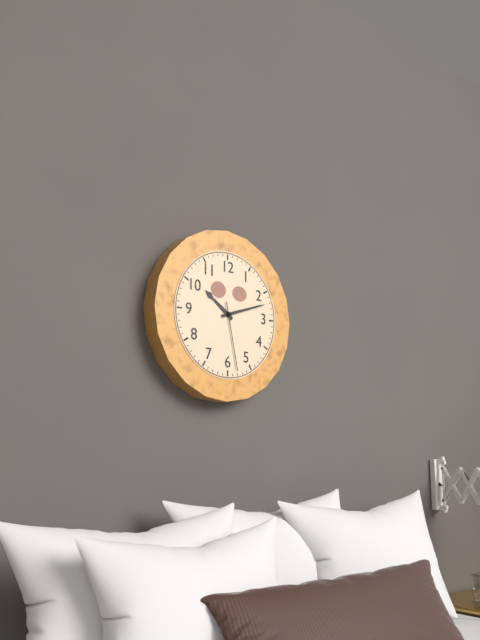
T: 10 h 12 min 28 s
